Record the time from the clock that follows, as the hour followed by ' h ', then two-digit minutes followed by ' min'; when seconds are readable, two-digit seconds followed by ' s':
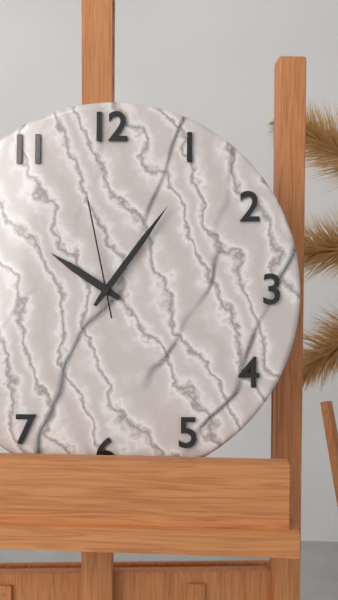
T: 10 h 06 min 58 s
